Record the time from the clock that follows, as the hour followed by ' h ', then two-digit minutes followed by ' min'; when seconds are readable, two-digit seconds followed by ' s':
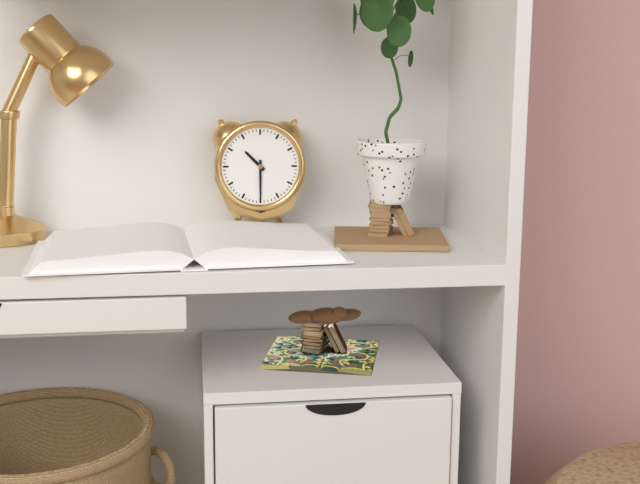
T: 10 h 30 min
